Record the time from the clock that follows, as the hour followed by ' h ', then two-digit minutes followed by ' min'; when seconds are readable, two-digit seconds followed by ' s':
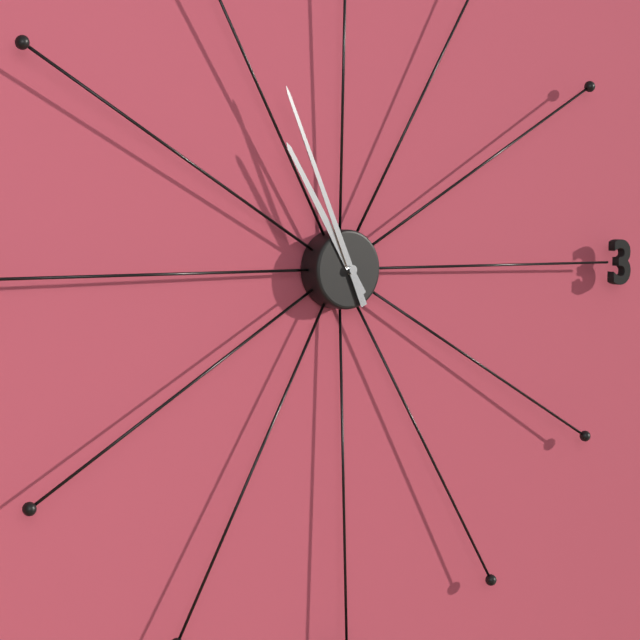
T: 10 h 56 min
